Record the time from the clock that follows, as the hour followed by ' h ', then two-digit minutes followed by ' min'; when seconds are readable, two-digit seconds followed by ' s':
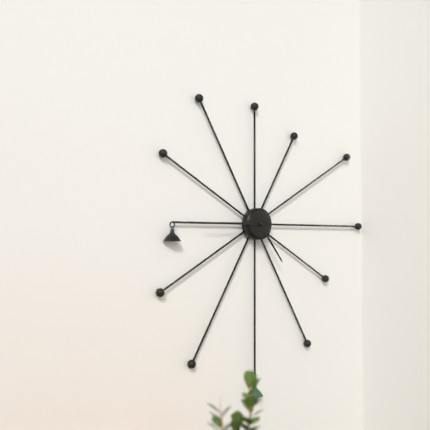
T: 4 h 45 min
